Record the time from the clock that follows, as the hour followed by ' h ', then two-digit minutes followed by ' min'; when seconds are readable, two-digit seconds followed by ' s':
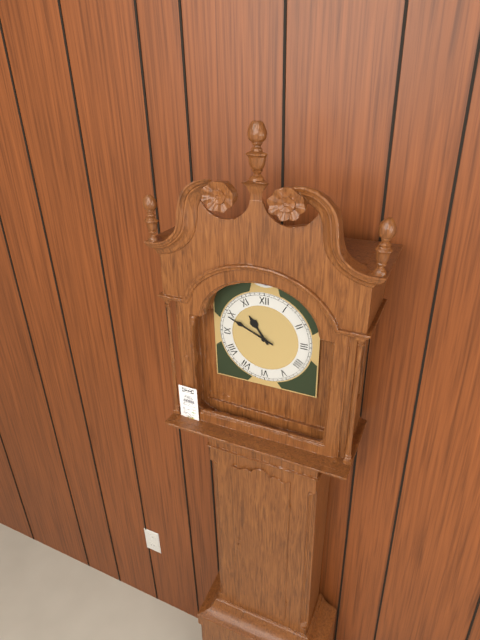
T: 10 h 49 min
